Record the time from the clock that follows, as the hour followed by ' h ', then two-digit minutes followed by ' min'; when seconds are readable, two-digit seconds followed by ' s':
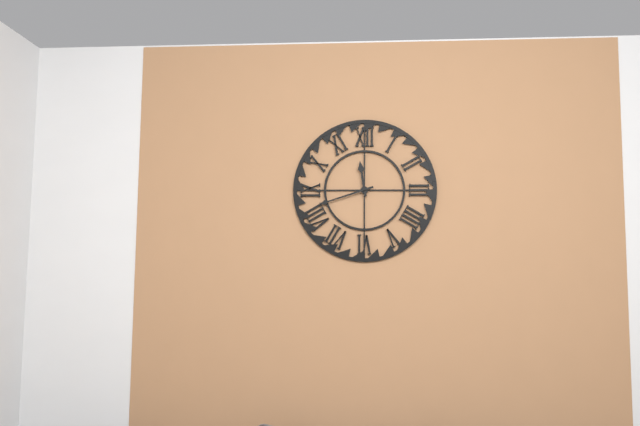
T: 11 h 42 min
